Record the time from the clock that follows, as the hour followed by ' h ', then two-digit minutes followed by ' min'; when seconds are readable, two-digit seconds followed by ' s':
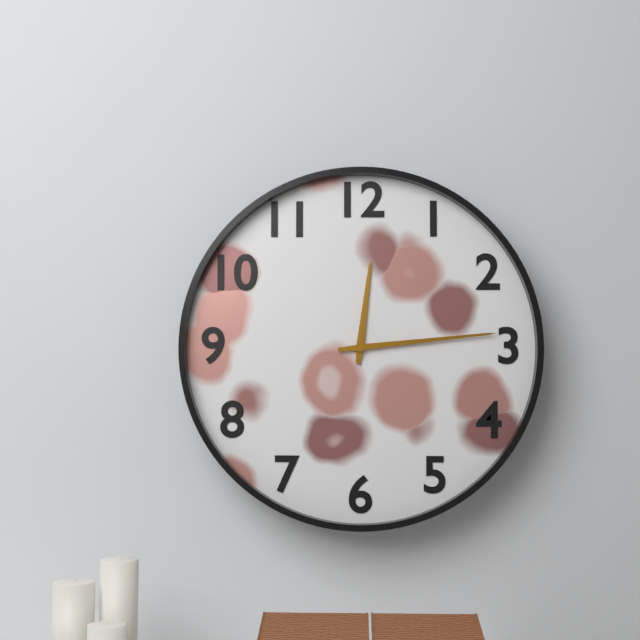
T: 12 h 14 min
